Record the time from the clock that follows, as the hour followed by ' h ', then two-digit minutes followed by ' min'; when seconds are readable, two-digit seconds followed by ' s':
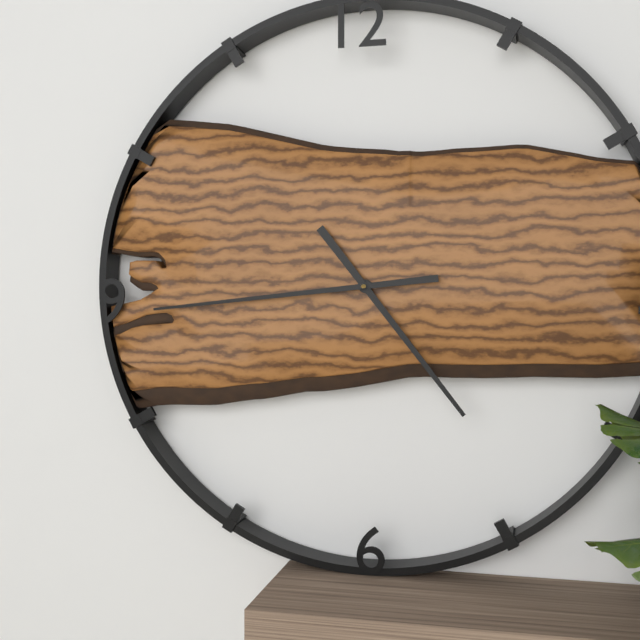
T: 4 h 44 min
